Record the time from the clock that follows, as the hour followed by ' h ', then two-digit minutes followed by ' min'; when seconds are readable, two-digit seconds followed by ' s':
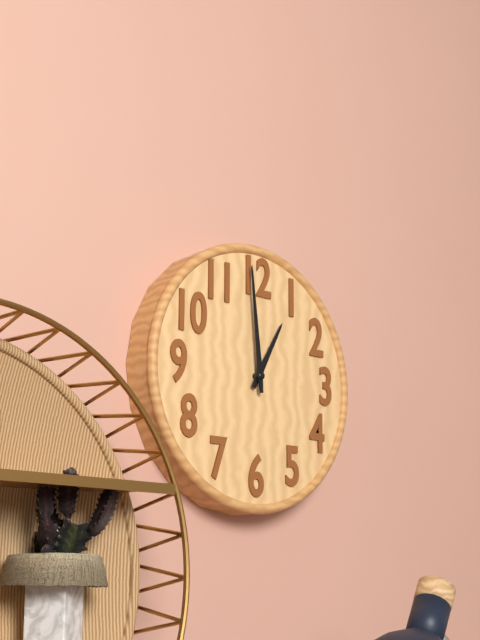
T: 12 h 59 min
